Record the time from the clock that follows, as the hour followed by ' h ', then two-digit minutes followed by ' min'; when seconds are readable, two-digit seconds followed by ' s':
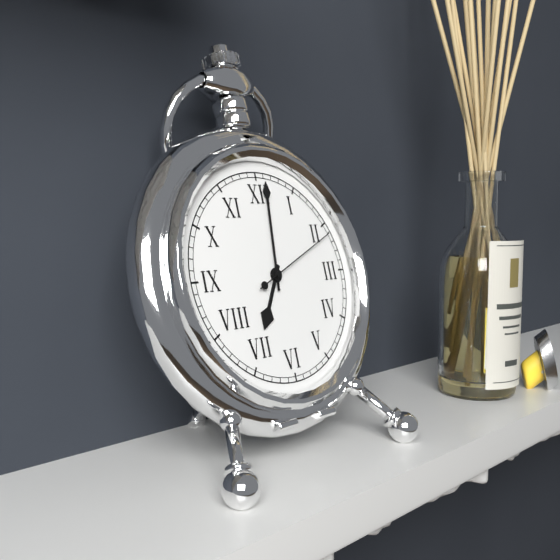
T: 7 h 01 min 11 s
